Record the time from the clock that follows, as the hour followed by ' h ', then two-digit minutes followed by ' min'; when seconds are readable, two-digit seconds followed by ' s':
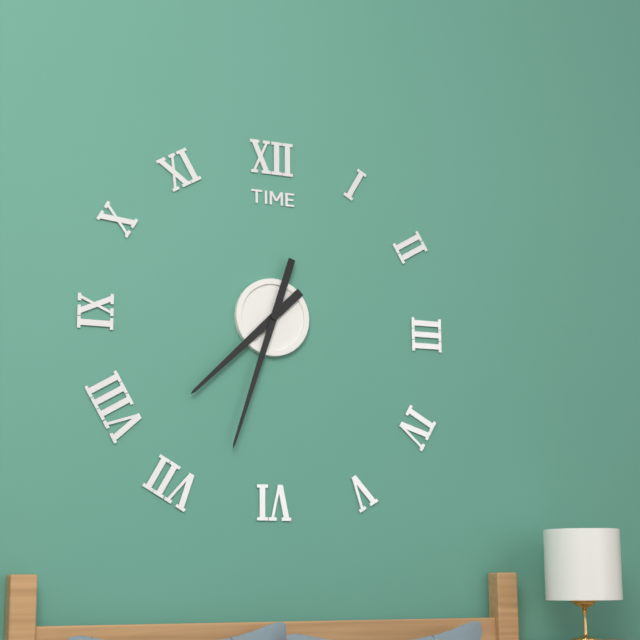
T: 7 h 33 min
